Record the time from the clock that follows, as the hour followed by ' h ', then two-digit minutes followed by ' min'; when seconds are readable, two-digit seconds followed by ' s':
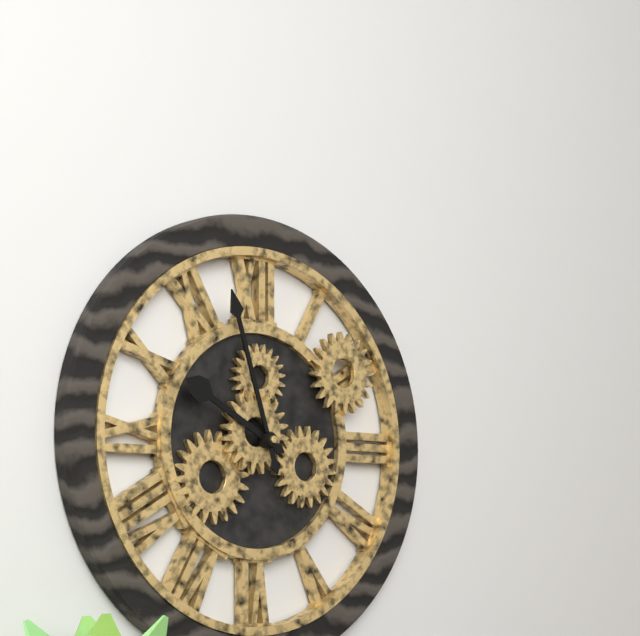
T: 9 h 57 min
